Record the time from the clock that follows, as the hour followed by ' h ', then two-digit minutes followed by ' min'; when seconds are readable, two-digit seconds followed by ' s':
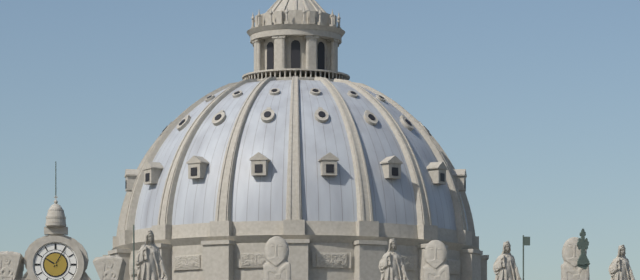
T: 10 h 05 min
